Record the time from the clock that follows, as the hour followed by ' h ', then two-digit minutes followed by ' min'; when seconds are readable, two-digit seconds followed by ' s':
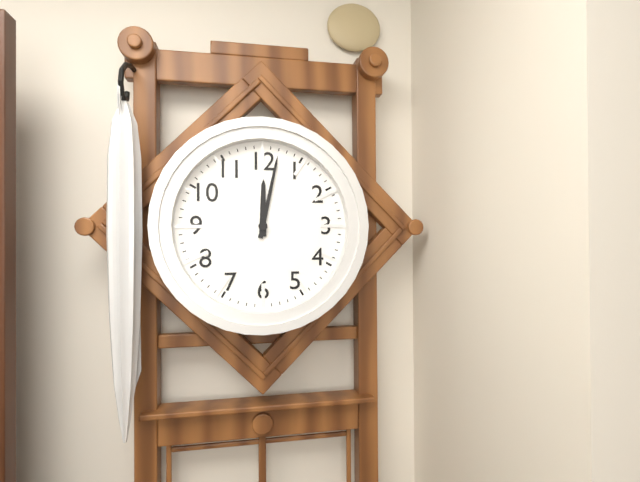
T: 12 h 02 min
